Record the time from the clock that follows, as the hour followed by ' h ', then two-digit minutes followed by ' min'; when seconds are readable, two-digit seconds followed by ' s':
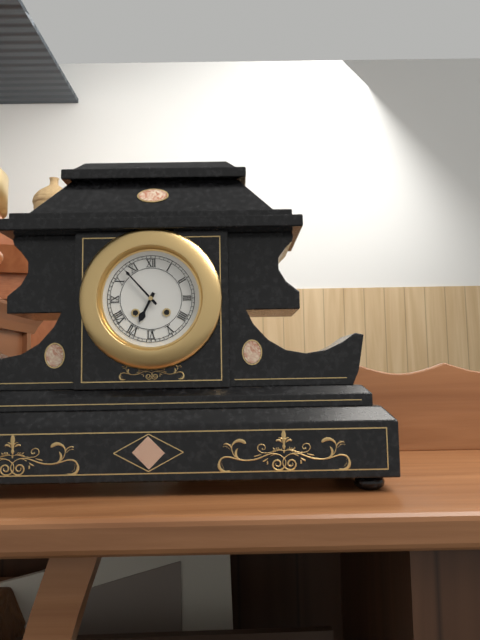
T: 6 h 53 min
